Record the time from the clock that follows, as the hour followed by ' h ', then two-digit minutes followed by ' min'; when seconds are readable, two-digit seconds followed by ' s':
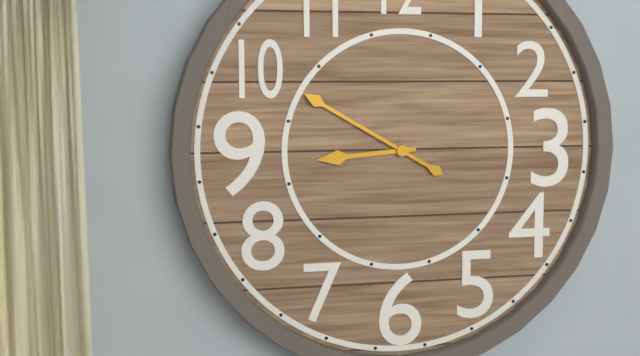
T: 8 h 50 min
